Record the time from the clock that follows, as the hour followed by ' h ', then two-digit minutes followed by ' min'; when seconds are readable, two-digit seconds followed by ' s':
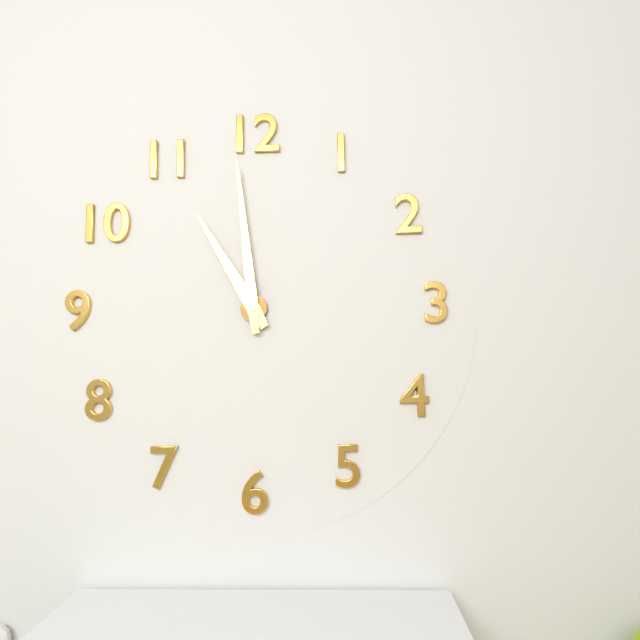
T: 10 h 59 min
